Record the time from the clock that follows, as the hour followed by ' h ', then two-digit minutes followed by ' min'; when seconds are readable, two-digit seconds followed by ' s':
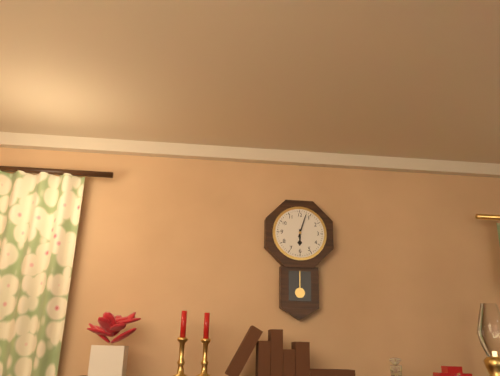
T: 6 h 03 min
